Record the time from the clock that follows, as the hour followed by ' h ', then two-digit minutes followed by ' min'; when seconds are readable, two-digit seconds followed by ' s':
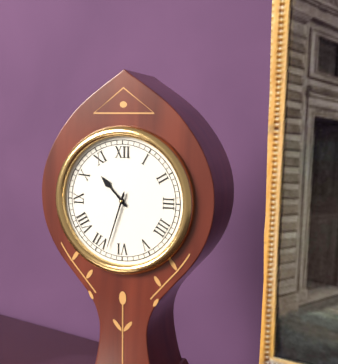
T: 10 h 33 min
